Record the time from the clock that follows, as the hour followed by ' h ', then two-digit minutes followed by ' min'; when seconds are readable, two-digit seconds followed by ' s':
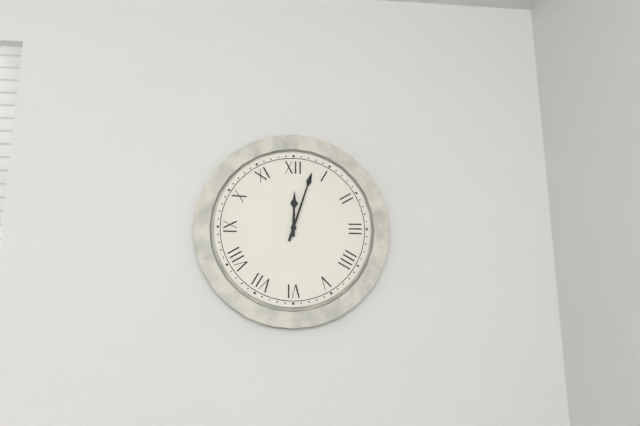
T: 12 h 03 min
